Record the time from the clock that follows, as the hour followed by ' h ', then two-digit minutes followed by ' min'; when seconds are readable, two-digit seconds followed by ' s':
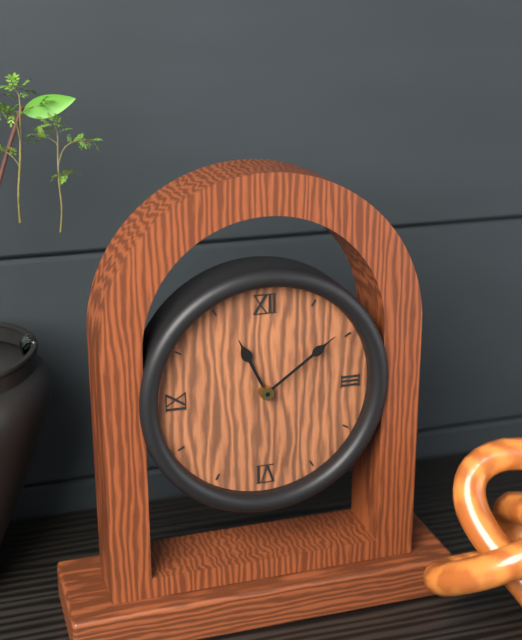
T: 11 h 09 min
